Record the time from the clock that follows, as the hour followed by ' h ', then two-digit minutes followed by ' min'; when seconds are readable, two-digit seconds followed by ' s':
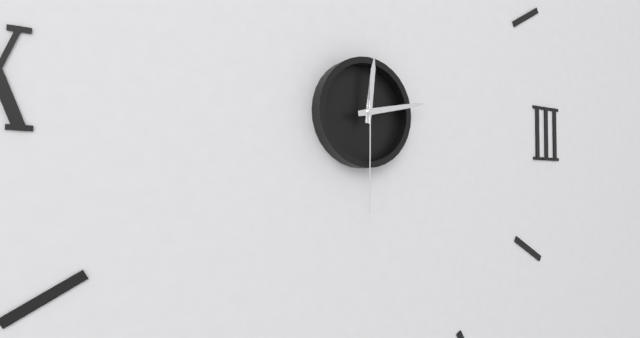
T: 12 h 13 min 30 s
